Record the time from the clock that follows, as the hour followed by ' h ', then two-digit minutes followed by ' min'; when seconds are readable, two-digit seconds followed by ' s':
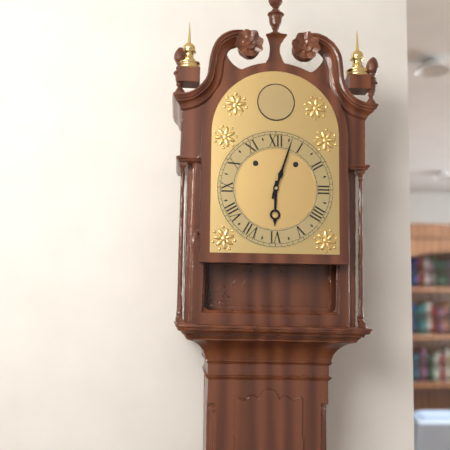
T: 6 h 03 min
